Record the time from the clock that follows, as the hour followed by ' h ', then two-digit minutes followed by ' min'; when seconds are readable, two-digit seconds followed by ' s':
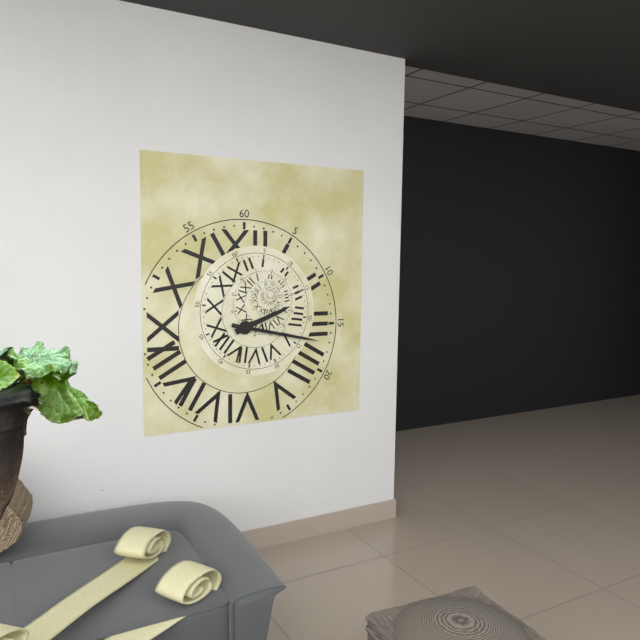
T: 2 h 17 min
